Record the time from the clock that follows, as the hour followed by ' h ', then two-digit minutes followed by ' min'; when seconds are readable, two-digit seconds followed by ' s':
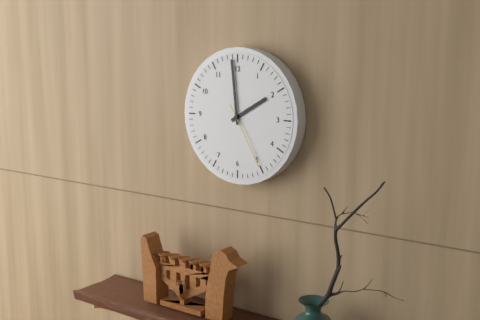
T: 1 h 59 min 25 s
